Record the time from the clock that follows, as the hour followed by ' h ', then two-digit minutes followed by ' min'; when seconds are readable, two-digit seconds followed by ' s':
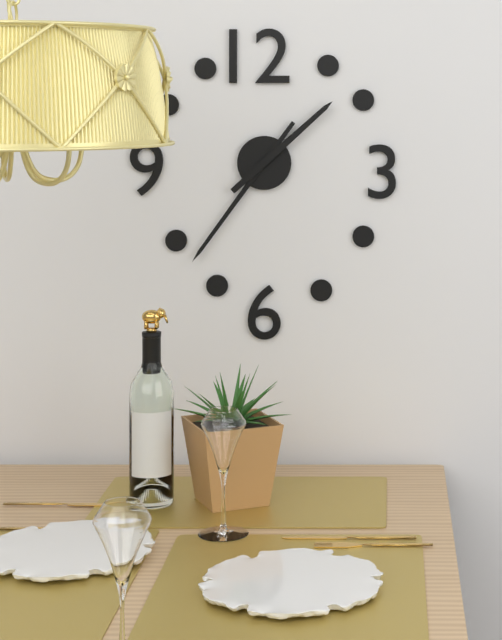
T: 1 h 36 min
